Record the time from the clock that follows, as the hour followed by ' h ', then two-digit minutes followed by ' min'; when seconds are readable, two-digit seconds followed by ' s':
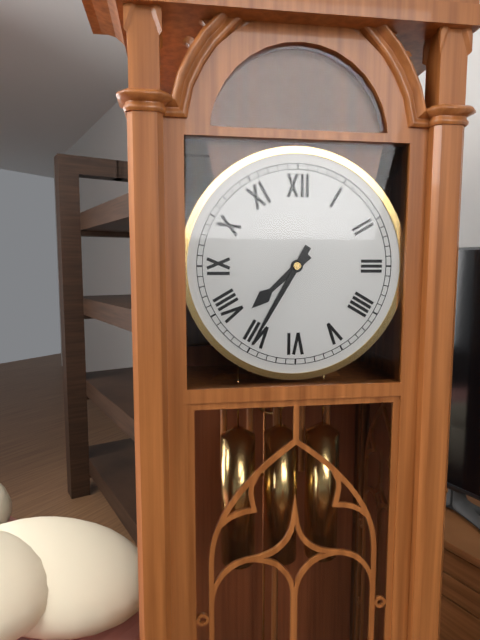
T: 7 h 35 min
